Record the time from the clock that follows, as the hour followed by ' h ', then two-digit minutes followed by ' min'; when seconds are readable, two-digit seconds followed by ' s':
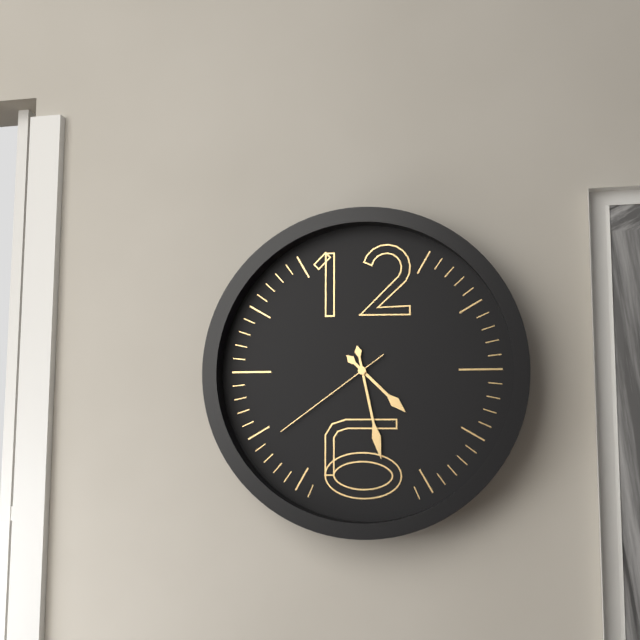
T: 4 h 28 min 39 s
